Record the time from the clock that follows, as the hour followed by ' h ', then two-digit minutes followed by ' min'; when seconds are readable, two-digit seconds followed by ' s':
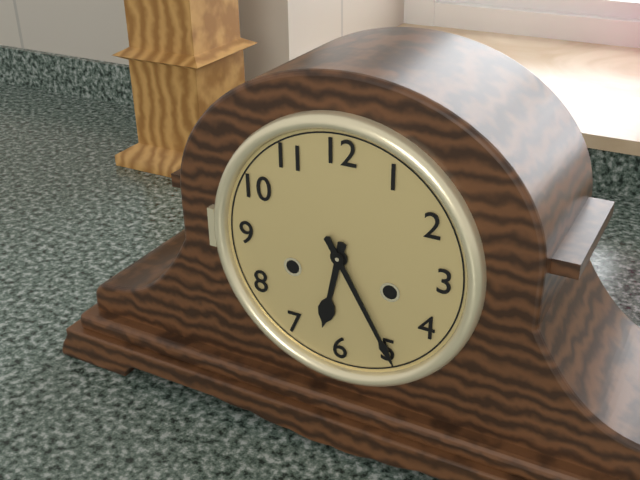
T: 6 h 25 min
